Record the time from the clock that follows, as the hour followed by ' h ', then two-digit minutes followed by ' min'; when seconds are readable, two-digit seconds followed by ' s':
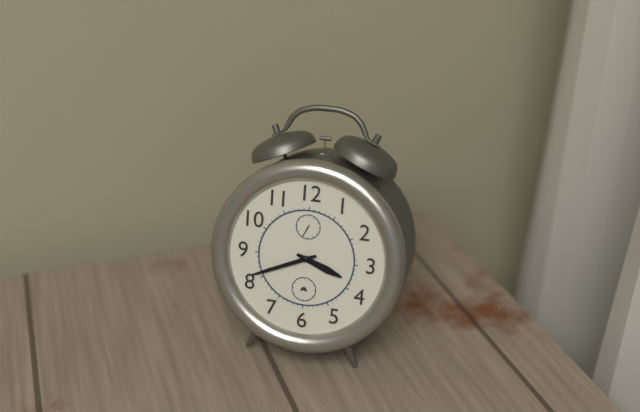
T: 3 h 41 min
